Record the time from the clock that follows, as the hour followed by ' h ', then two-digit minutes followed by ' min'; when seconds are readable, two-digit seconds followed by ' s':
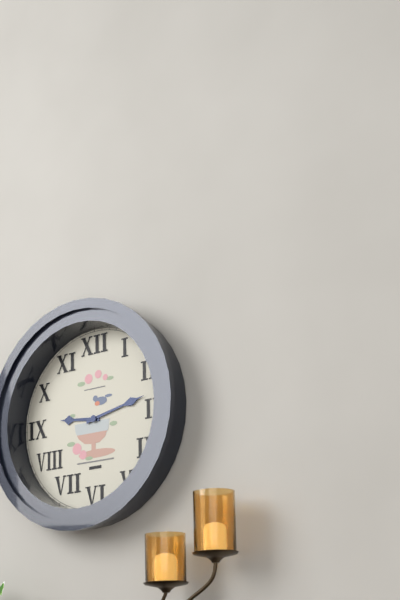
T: 9 h 13 min
